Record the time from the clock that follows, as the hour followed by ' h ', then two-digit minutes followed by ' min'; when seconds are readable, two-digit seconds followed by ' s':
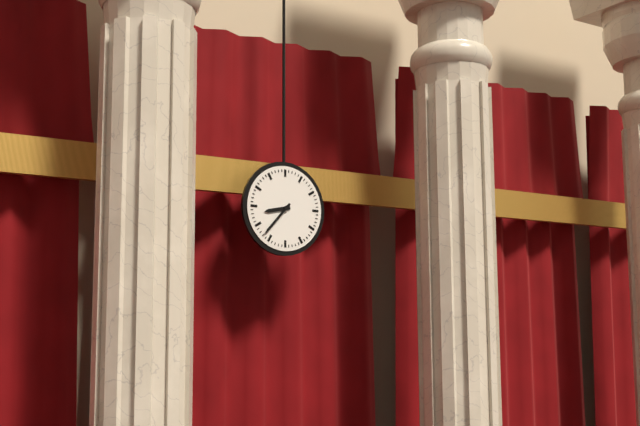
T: 8 h 37 min
